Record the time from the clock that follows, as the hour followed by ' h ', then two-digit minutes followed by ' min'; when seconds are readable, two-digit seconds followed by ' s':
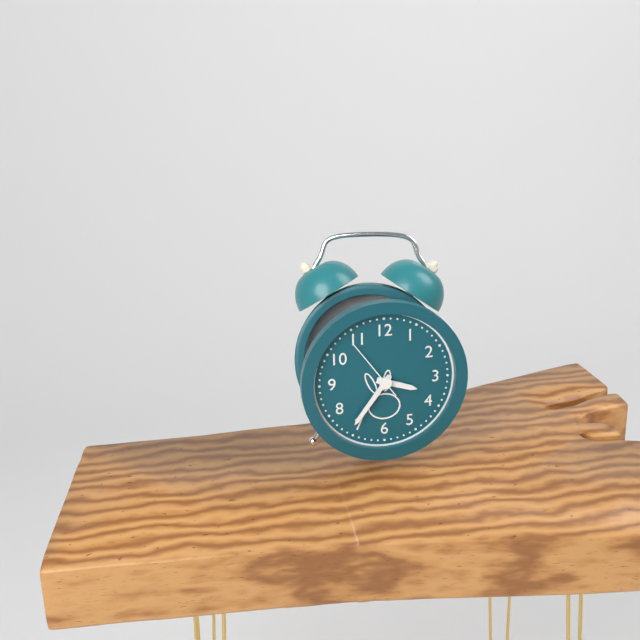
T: 3 h 36 min 54 s
